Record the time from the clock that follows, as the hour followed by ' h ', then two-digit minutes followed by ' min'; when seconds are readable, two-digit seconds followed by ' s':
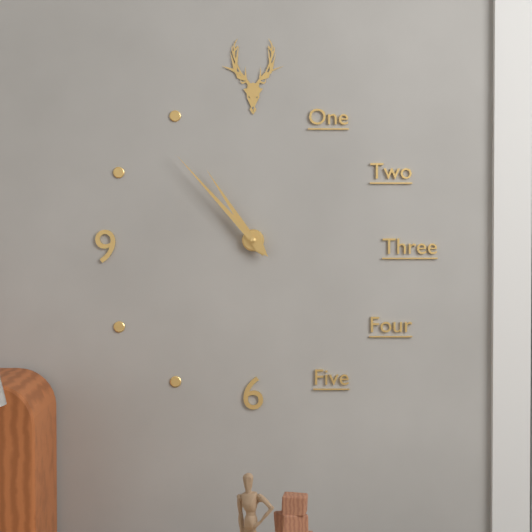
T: 10 h 53 min
